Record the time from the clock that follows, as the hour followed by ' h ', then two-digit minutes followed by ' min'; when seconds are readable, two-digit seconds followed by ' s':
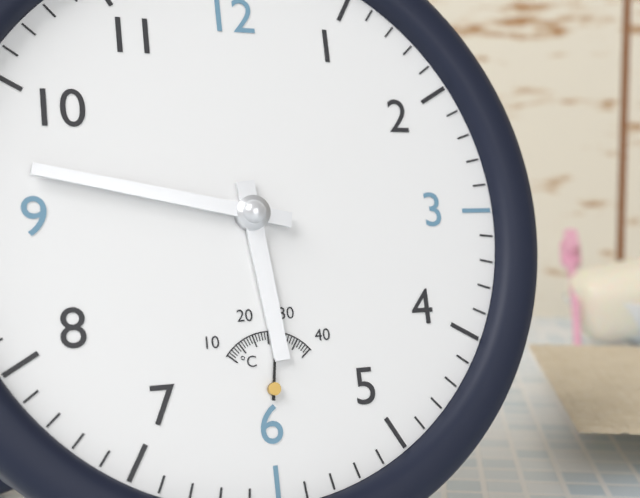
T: 5 h 47 min
